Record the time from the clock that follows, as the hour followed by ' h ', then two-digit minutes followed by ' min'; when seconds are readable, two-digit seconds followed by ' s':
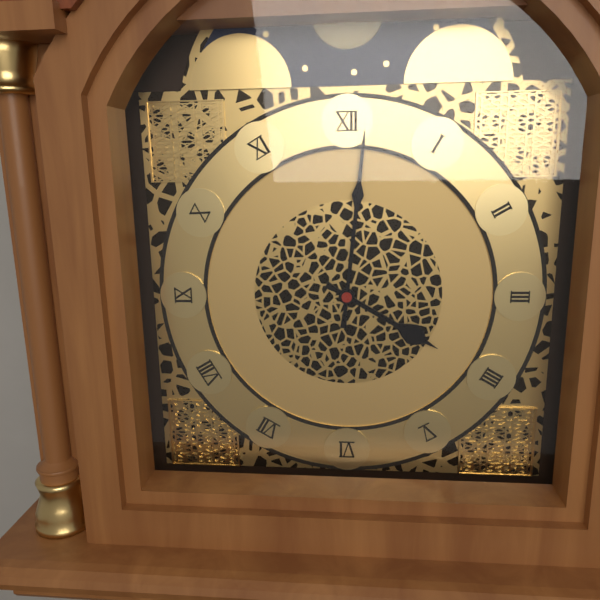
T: 4 h 01 min
